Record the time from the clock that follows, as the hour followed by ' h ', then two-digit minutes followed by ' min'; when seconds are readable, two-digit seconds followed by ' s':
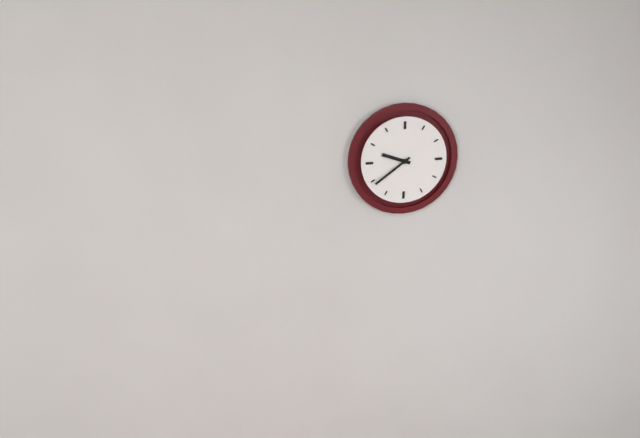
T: 9 h 39 min
